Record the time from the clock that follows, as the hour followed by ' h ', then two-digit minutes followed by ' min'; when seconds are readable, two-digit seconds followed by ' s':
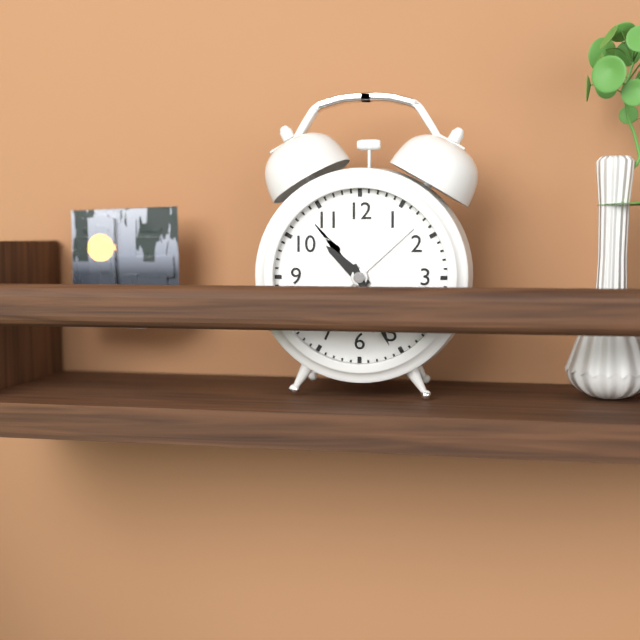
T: 10 h 26 min
